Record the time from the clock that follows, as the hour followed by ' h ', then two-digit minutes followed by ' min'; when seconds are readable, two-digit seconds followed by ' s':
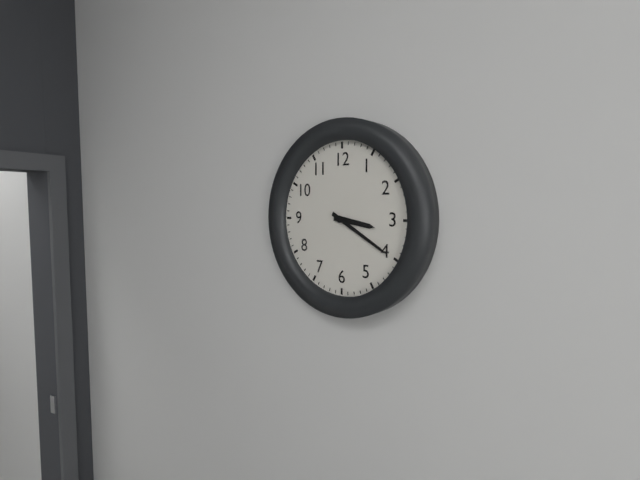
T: 3 h 20 min
